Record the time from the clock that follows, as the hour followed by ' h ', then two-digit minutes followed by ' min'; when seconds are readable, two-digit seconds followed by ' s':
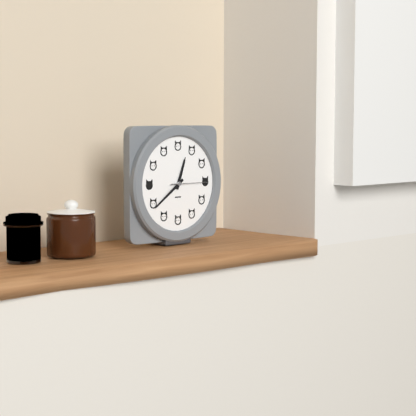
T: 12 h 39 min
